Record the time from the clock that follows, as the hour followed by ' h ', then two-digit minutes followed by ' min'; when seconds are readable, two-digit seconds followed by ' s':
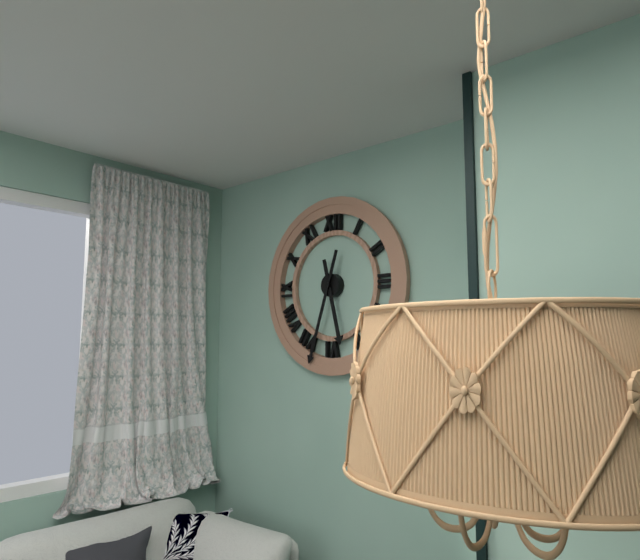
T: 5 h 33 min
